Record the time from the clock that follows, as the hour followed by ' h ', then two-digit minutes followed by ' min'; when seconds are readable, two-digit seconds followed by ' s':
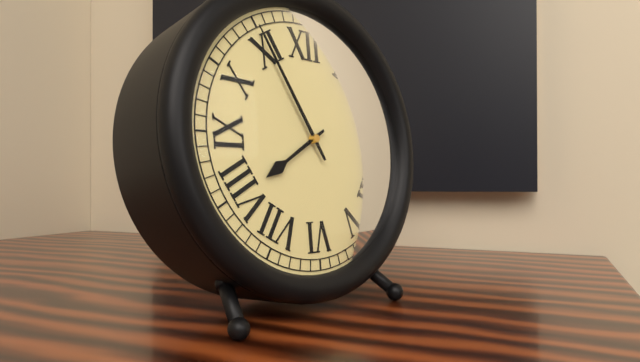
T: 7 h 55 min
